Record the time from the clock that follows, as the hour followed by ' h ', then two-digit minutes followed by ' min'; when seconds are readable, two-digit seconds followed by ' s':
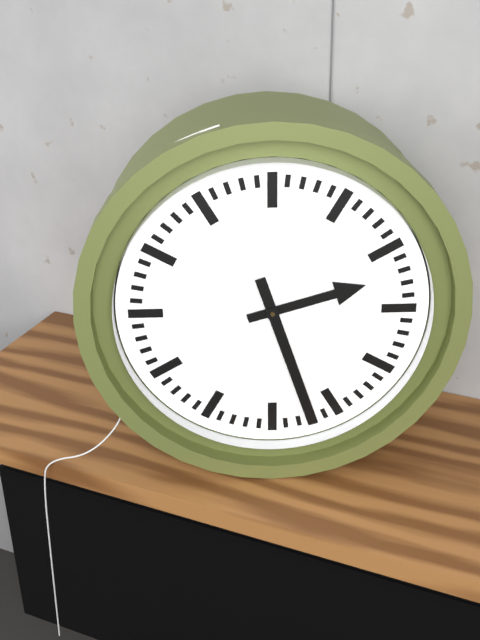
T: 2 h 27 min
